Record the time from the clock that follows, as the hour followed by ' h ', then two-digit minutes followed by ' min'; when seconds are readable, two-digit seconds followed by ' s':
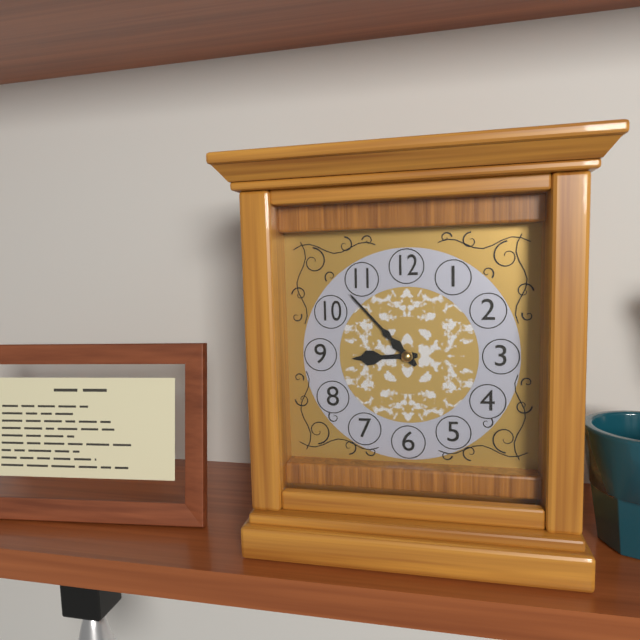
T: 8 h 53 min
